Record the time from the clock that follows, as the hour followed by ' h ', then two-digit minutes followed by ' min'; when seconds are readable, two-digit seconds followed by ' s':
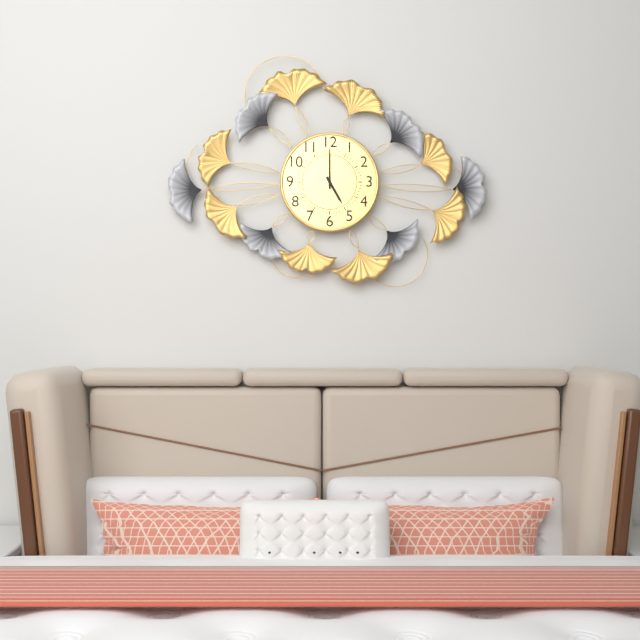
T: 5 h 00 min
